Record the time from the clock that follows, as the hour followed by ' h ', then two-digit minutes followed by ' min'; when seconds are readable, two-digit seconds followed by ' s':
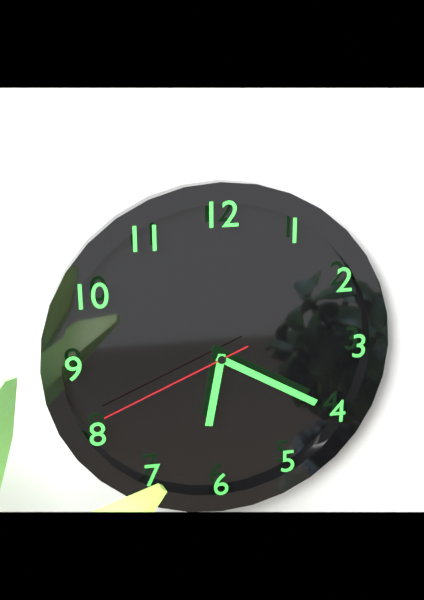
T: 6 h 20 min 41 s
